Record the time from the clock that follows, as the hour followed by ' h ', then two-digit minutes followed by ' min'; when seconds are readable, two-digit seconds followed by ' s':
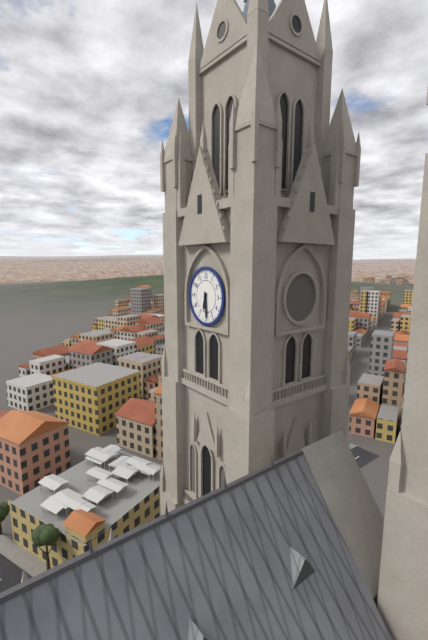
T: 6 h 29 min
